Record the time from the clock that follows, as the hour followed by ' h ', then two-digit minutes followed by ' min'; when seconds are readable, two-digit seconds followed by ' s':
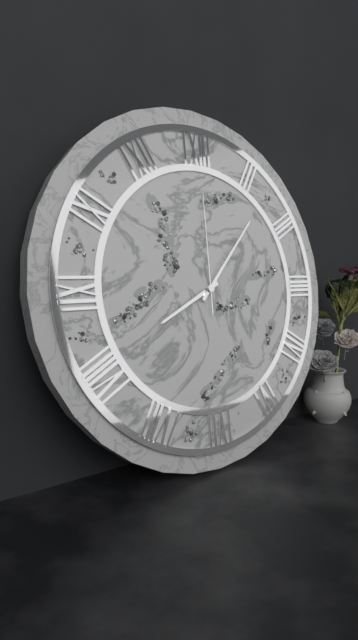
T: 8 h 07 min 00 s
